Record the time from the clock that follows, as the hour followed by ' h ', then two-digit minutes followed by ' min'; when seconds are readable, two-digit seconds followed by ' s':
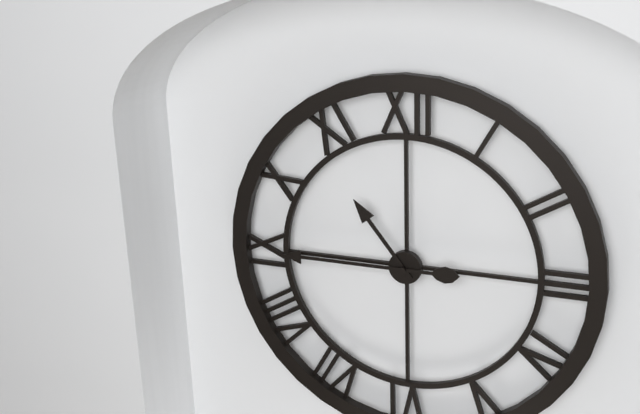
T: 10 h 45 min
